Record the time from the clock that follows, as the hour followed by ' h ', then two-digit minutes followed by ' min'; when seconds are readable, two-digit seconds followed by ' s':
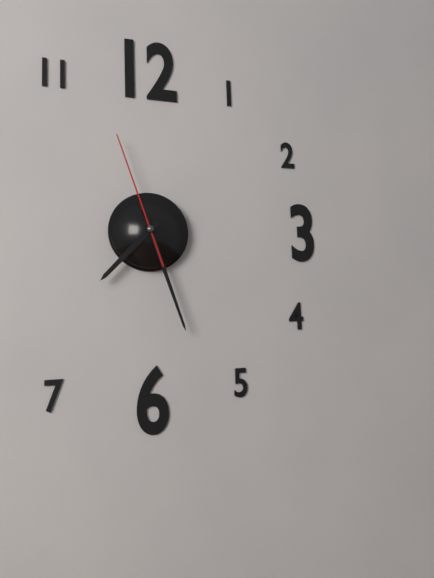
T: 7 h 27 min 57 s
